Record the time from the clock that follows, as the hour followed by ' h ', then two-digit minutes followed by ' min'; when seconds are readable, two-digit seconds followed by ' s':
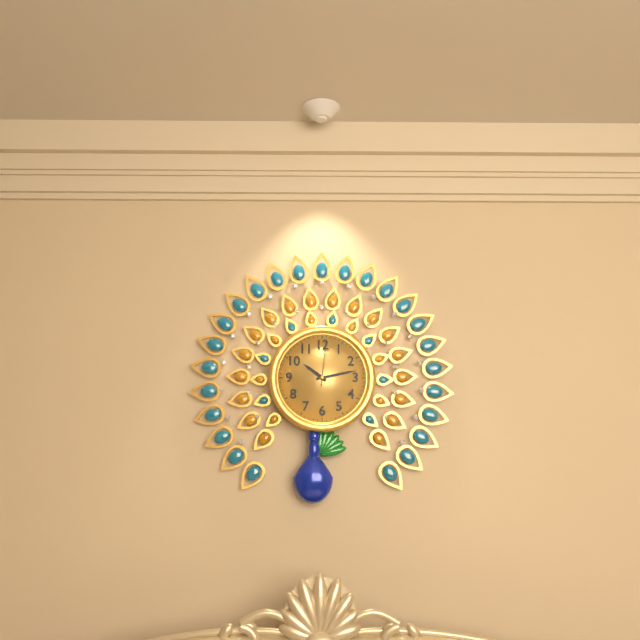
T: 10 h 13 min
